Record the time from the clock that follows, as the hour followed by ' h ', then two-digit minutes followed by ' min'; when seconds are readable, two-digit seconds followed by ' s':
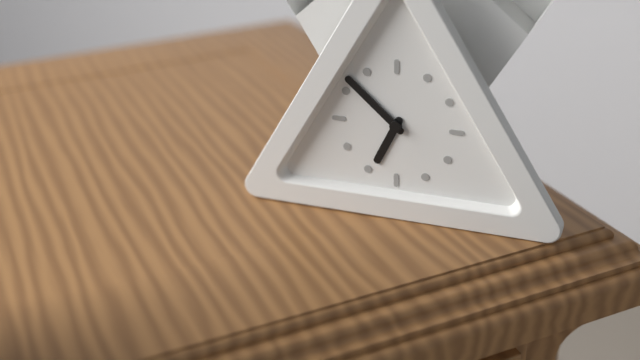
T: 6 h 52 min
